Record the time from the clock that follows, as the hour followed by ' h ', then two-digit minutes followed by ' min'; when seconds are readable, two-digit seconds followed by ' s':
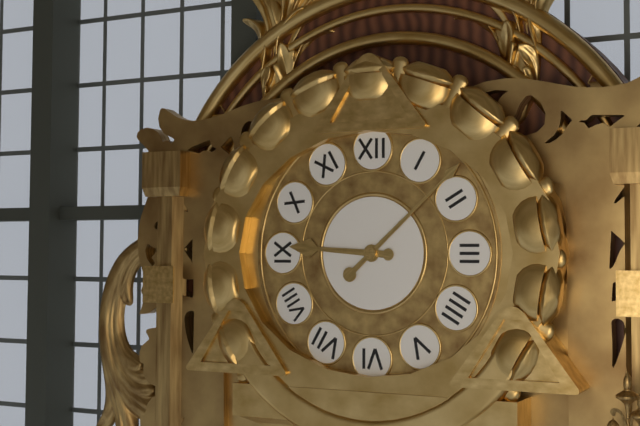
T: 9 h 08 min
